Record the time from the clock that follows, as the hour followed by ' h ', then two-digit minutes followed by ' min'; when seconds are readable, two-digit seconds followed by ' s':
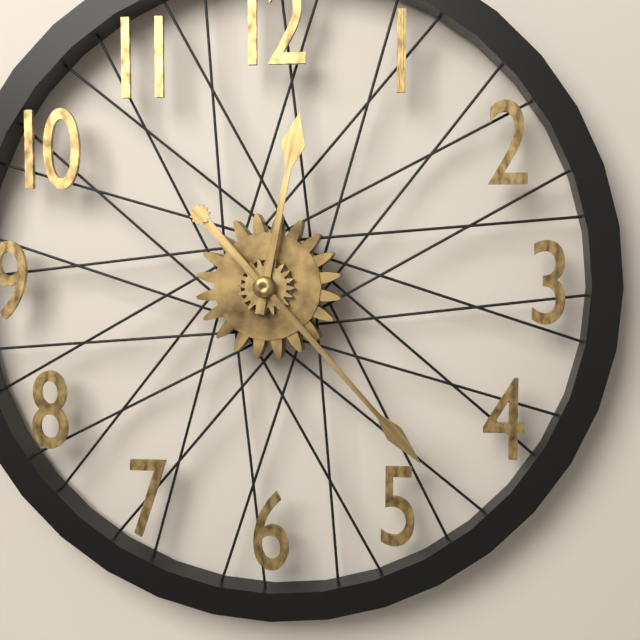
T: 12 h 23 min
